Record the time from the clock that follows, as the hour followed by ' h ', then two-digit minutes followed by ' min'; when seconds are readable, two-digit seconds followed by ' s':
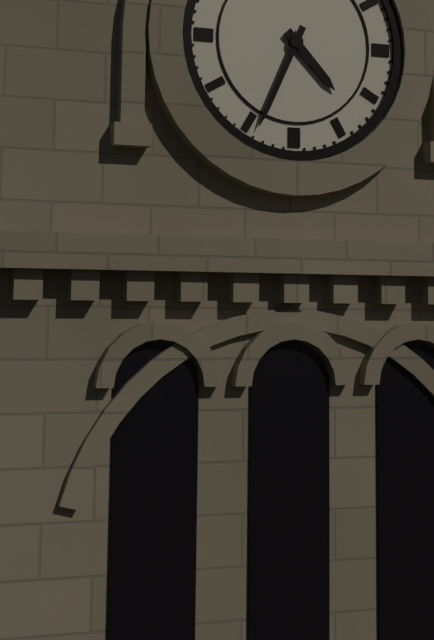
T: 4 h 34 min
